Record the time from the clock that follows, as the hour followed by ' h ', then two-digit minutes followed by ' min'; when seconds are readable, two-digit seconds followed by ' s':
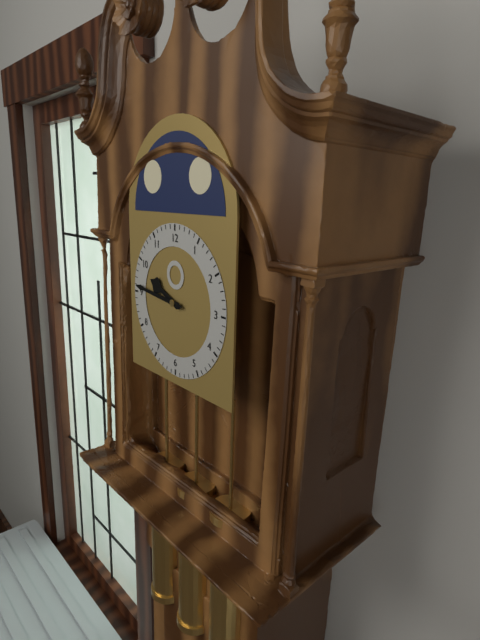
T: 9 h 46 min
